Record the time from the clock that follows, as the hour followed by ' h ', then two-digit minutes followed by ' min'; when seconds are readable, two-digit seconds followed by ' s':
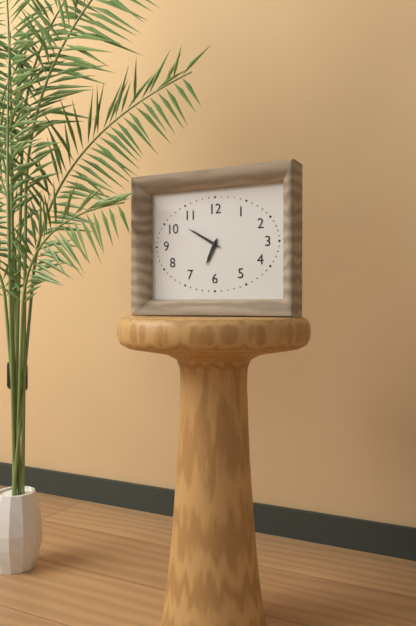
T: 6 h 50 min
